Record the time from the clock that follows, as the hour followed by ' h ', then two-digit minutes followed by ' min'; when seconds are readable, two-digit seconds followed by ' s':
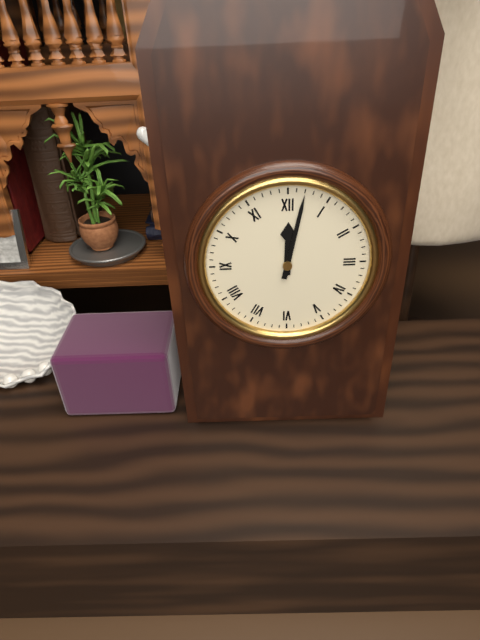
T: 12 h 02 min
